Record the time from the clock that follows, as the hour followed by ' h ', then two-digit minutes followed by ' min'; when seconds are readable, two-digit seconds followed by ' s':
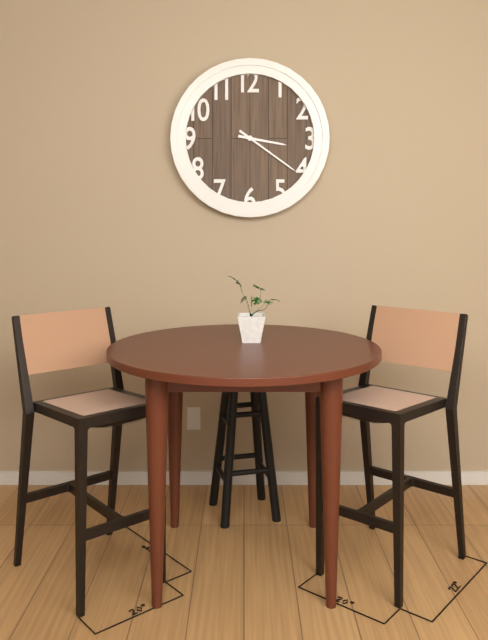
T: 3 h 21 min
